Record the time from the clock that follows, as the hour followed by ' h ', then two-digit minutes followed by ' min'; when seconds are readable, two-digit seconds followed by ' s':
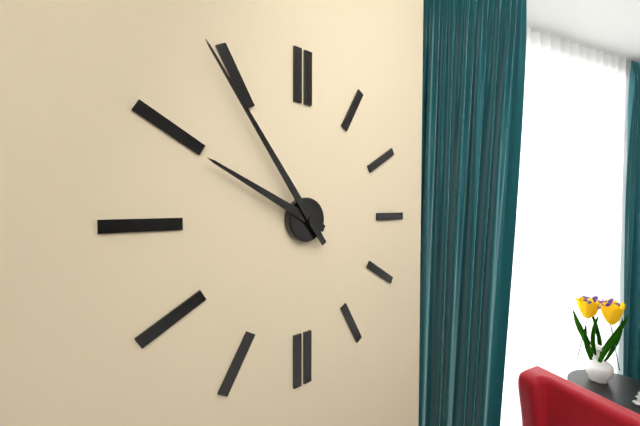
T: 9 h 54 min
